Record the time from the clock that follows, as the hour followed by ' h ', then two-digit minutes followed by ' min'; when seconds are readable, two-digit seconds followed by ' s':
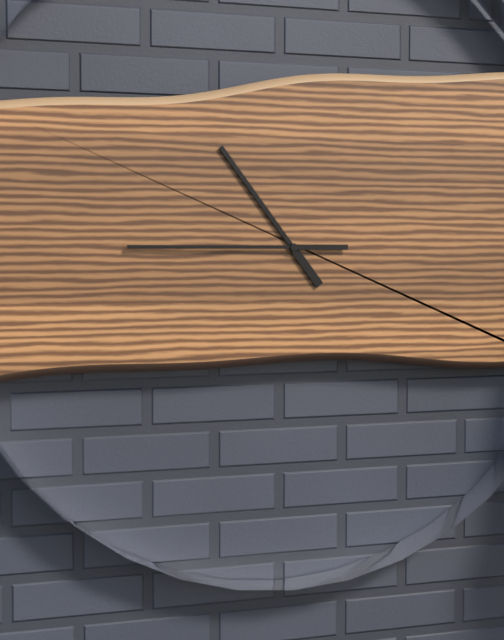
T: 10 h 45 min
